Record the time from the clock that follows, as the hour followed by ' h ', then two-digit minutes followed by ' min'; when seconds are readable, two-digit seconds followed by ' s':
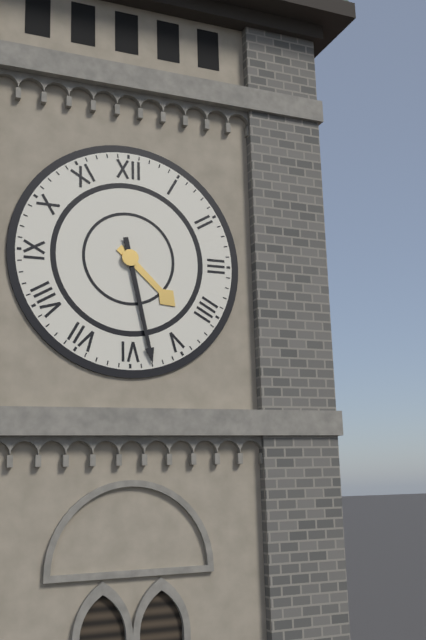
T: 4 h 28 min
